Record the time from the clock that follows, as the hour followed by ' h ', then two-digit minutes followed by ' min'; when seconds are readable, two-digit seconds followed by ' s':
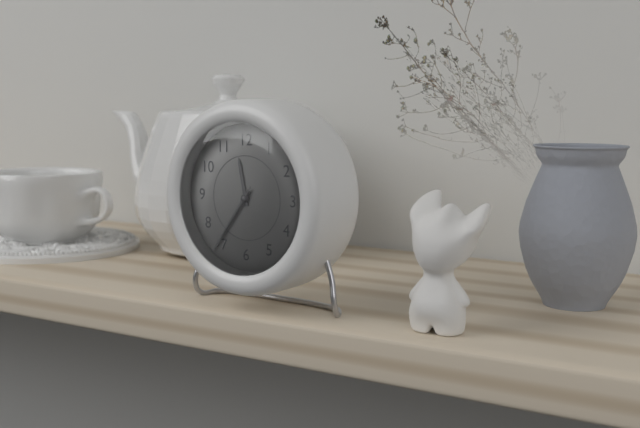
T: 11 h 36 min 36 s
